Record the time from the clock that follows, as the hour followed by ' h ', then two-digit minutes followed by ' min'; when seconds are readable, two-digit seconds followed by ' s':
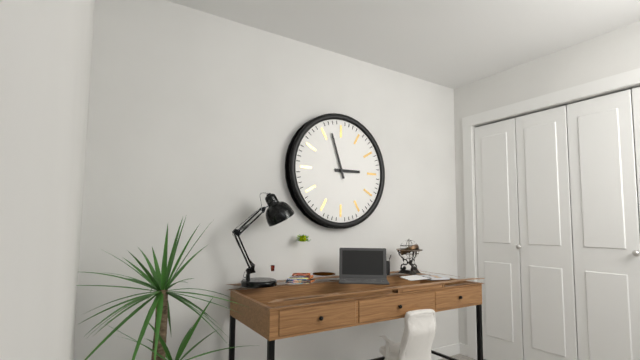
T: 2 h 57 min
